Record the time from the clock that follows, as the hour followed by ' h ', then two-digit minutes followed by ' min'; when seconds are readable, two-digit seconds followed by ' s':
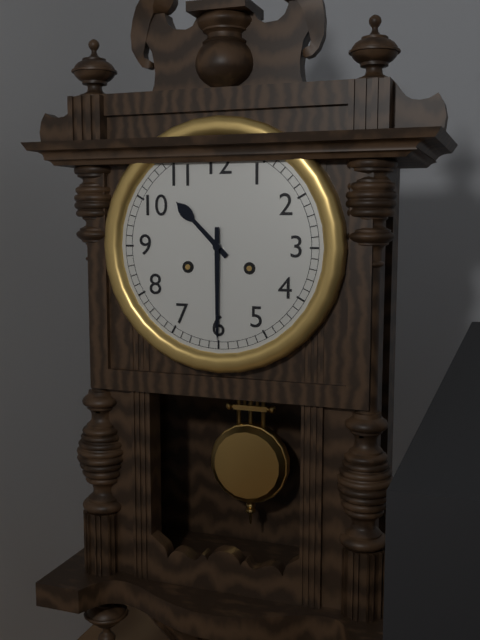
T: 10 h 30 min
